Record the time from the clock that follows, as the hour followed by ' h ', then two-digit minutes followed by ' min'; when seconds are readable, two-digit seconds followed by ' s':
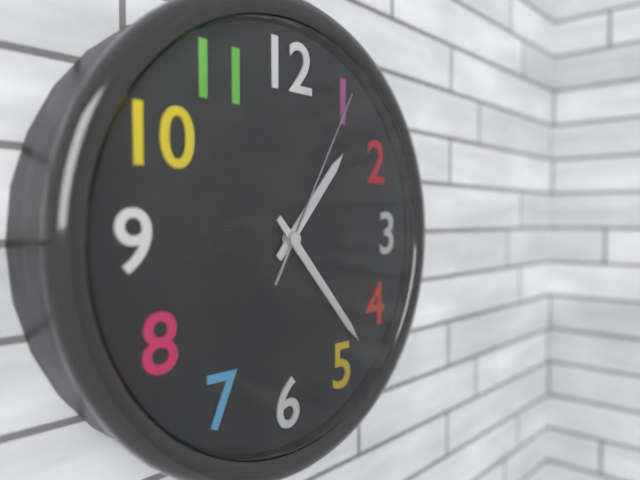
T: 1 h 23 min 05 s
